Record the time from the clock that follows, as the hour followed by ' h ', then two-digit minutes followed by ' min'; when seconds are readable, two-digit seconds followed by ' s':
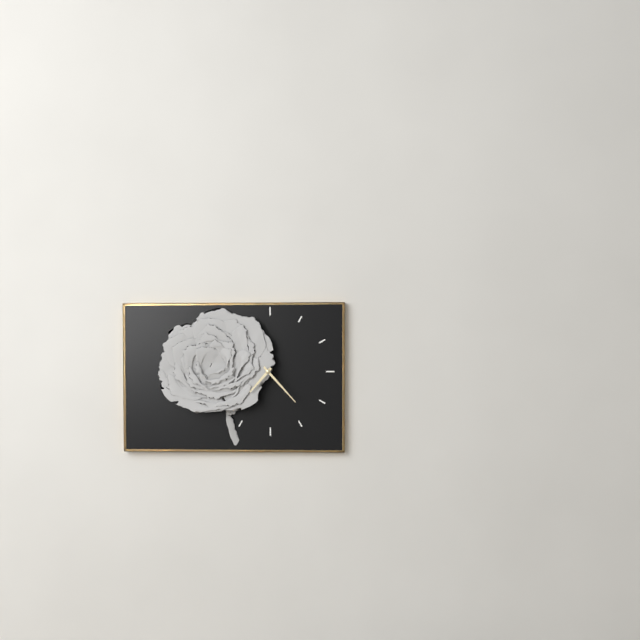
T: 7 h 23 min
